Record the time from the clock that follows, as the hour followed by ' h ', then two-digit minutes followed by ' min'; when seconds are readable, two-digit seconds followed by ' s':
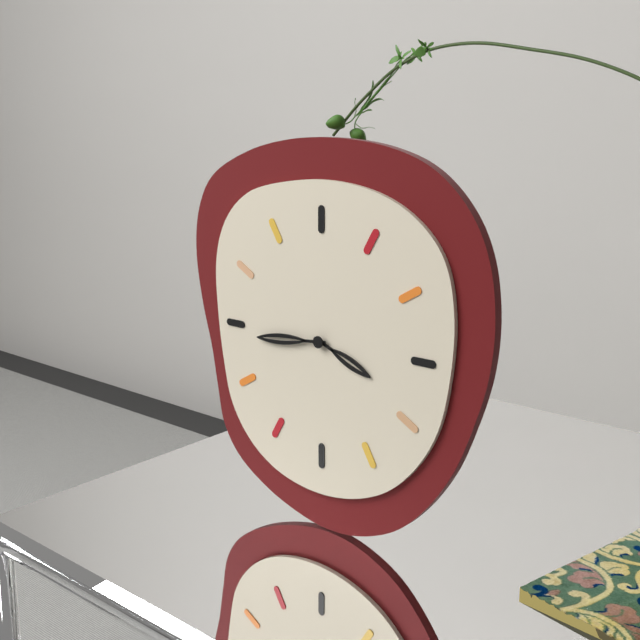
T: 3 h 44 min
